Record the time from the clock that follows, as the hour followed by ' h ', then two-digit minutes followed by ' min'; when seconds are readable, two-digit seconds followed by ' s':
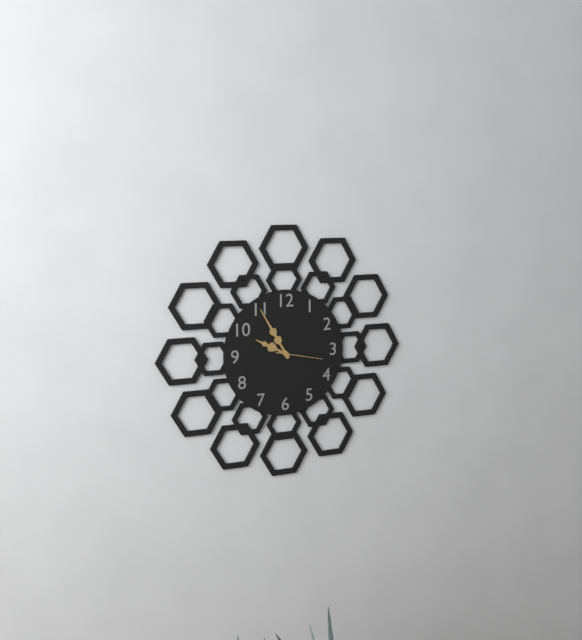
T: 9 h 55 min
